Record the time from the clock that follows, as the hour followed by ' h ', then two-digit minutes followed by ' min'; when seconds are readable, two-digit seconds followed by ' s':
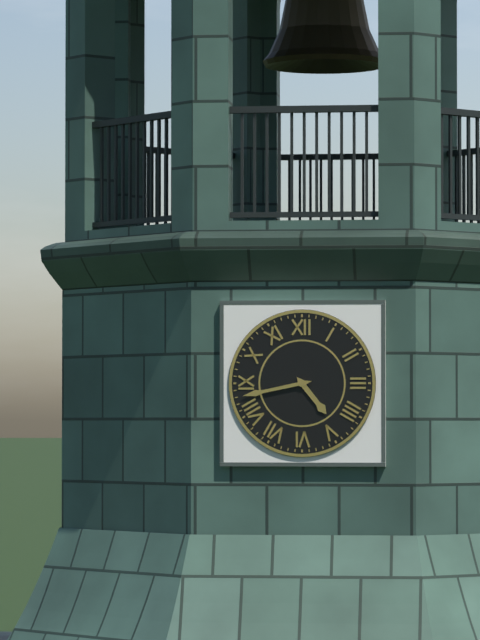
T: 4 h 43 min
